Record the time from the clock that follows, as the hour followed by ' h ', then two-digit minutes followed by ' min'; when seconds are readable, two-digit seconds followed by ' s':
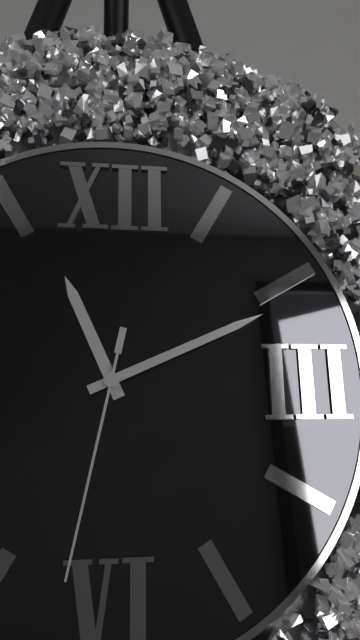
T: 11 h 11 min 32 s
